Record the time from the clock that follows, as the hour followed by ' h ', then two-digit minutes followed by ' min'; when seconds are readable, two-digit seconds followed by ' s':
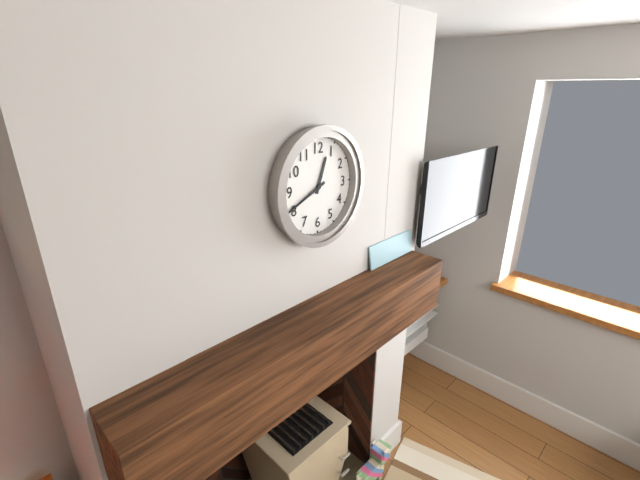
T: 12 h 41 min
